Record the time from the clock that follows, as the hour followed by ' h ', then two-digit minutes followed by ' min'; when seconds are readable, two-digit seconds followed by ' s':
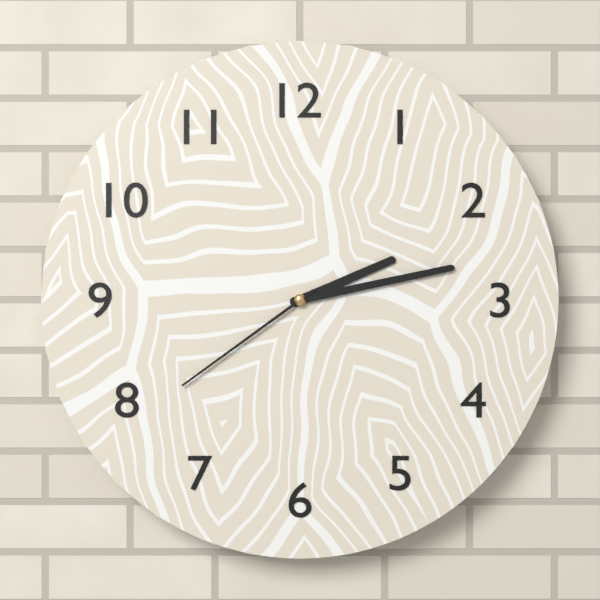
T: 2 h 13 min 39 s
